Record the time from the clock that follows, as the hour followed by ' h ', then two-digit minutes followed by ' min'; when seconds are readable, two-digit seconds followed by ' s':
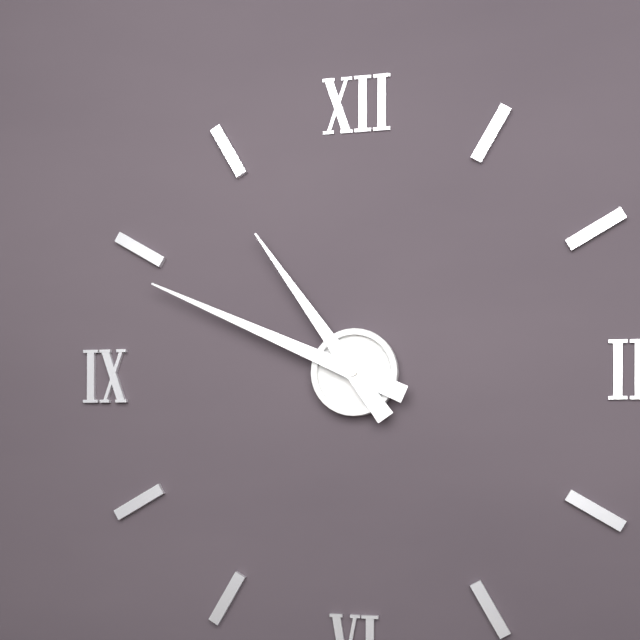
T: 10 h 49 min
